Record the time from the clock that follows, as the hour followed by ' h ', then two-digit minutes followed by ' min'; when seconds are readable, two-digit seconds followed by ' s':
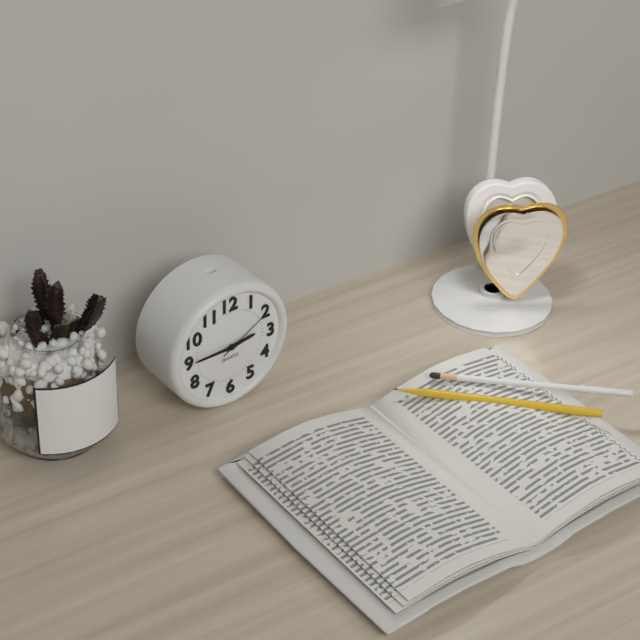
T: 2 h 45 min 10 s
